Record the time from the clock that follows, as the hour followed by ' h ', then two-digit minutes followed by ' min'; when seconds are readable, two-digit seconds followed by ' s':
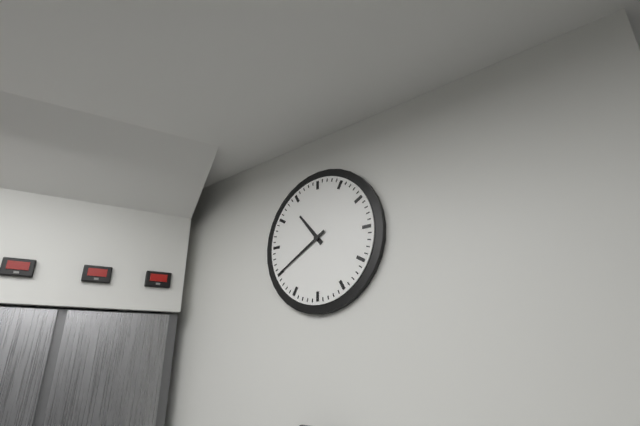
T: 10 h 40 min
